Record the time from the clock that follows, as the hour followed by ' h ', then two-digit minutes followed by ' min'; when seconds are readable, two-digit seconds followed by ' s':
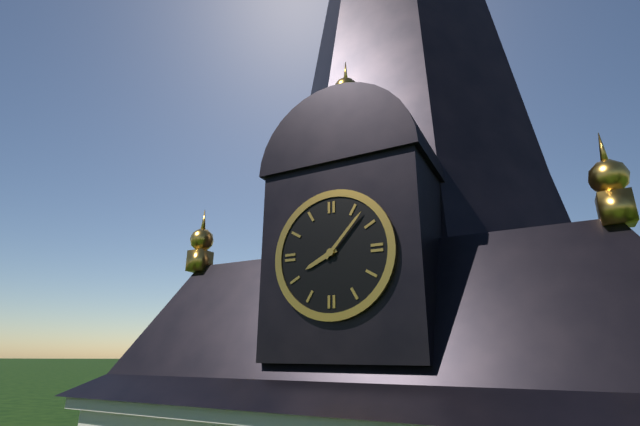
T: 8 h 07 min
